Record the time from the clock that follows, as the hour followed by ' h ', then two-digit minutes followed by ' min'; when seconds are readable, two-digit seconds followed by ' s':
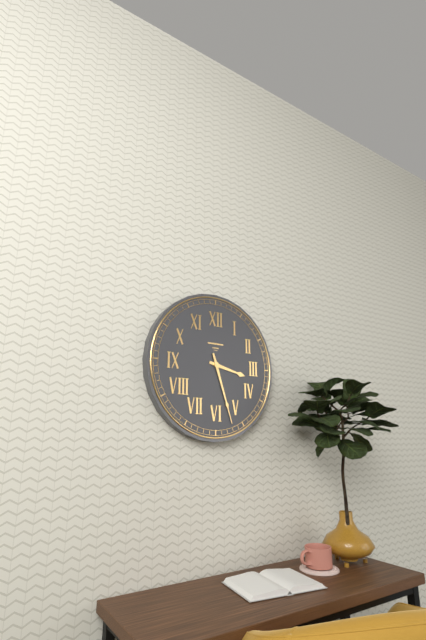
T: 3 h 27 min
